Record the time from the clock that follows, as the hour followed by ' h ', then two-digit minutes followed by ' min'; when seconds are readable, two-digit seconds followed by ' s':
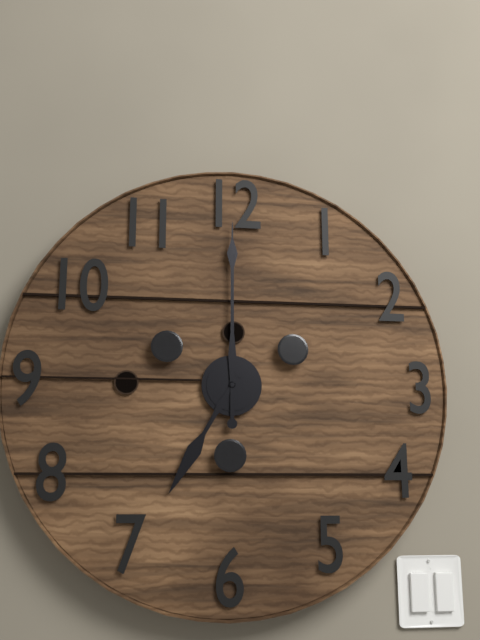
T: 7 h 00 min
